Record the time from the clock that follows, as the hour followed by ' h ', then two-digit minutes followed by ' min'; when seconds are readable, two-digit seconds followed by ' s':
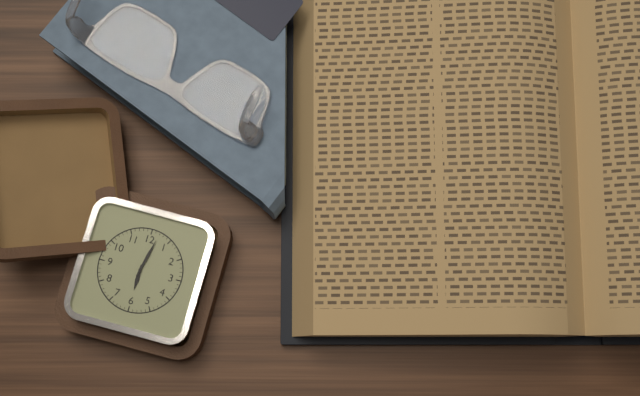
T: 6 h 02 min
